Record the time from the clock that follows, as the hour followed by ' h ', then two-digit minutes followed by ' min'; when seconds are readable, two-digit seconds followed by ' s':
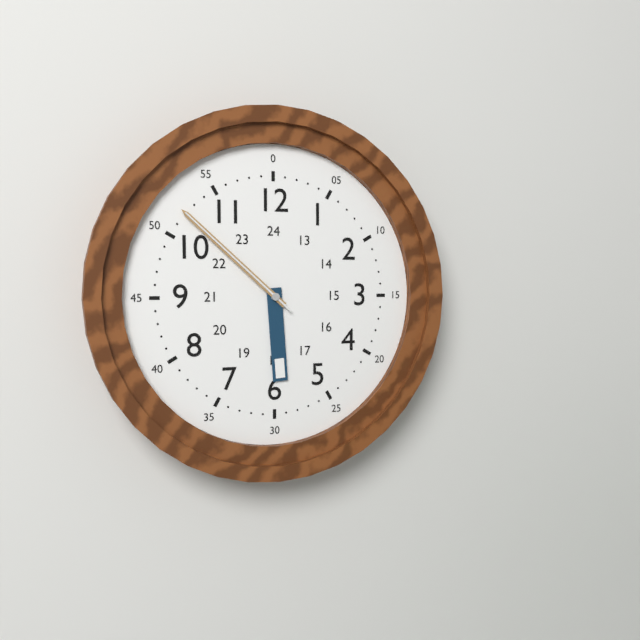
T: 5 h 52 min 52 s
